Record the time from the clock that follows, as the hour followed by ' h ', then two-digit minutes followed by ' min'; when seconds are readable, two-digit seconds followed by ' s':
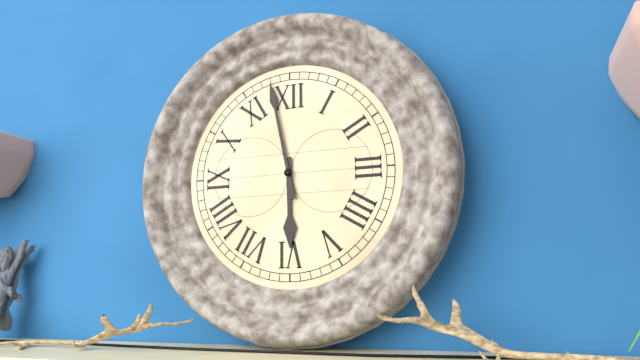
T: 5 h 58 min
